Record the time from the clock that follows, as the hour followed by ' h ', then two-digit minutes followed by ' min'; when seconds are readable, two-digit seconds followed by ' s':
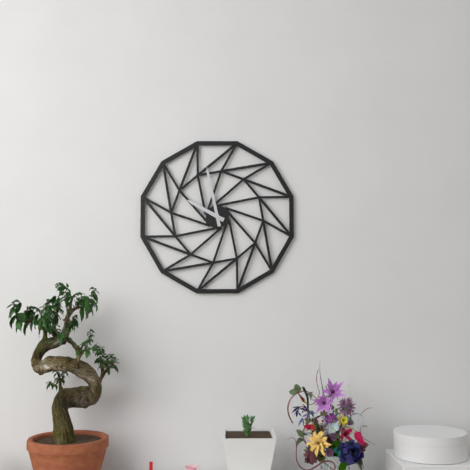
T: 9 h 58 min
